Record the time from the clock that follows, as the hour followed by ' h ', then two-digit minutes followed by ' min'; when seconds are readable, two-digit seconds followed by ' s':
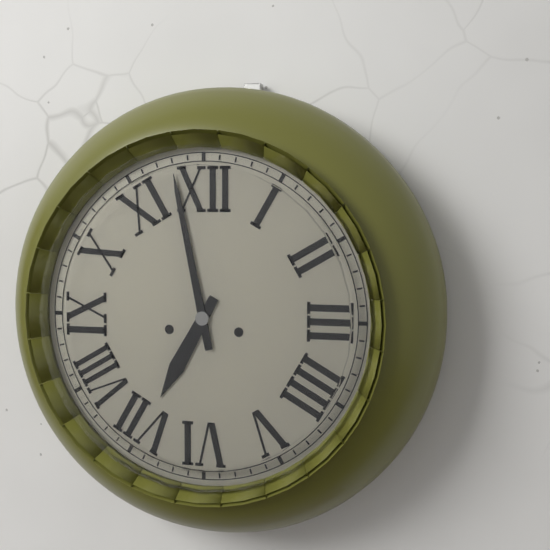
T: 6 h 58 min
